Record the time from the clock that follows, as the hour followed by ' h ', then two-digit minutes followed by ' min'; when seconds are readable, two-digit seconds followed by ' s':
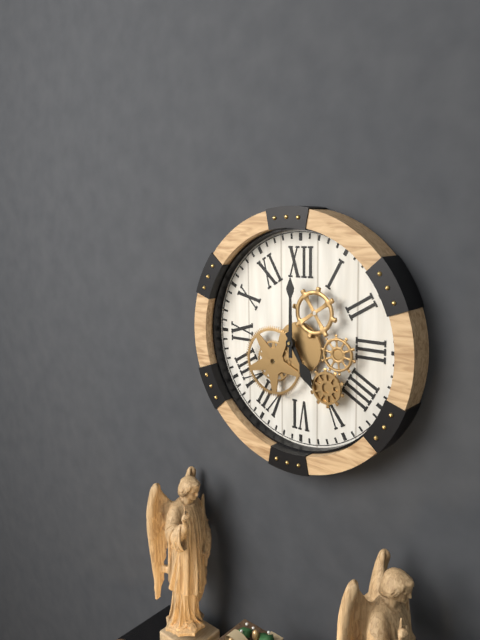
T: 5 h 00 min
